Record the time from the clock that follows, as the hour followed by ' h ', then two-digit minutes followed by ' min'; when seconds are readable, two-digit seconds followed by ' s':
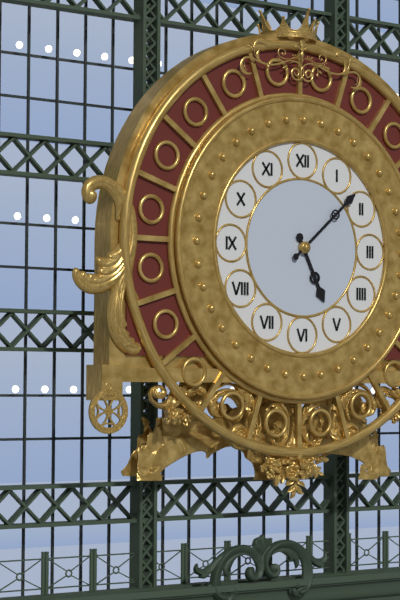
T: 5 h 08 min
